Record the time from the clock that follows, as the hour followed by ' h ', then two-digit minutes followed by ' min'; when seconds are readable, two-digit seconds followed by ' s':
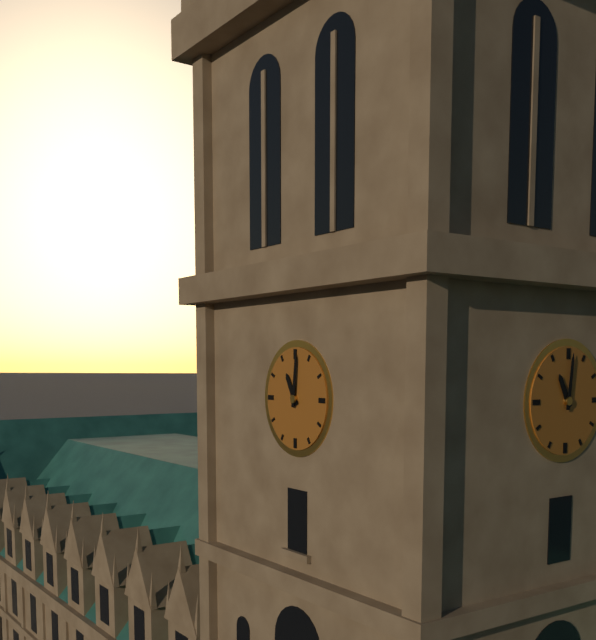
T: 11 h 01 min
